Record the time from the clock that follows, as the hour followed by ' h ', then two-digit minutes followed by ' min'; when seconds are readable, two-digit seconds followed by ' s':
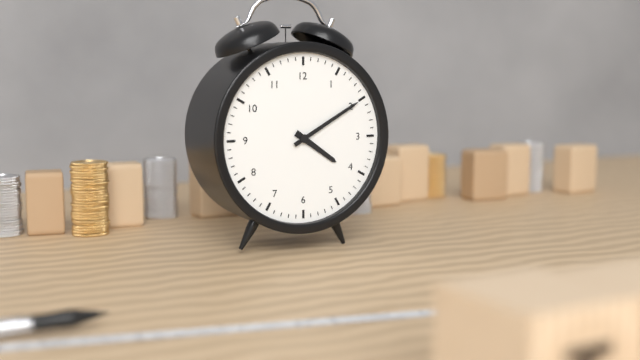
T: 4 h 10 min
